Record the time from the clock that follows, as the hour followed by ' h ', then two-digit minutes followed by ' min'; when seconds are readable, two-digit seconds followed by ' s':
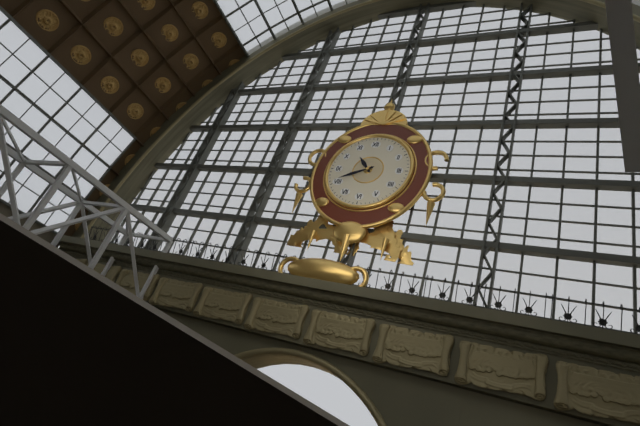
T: 10 h 41 min
